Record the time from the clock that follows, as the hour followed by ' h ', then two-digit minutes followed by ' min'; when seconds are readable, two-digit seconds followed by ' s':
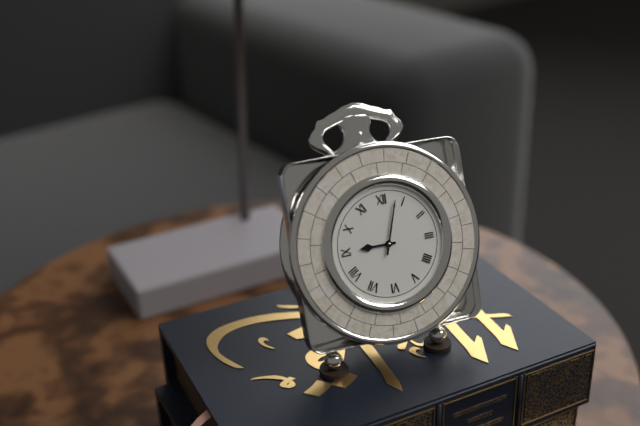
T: 9 h 03 min
